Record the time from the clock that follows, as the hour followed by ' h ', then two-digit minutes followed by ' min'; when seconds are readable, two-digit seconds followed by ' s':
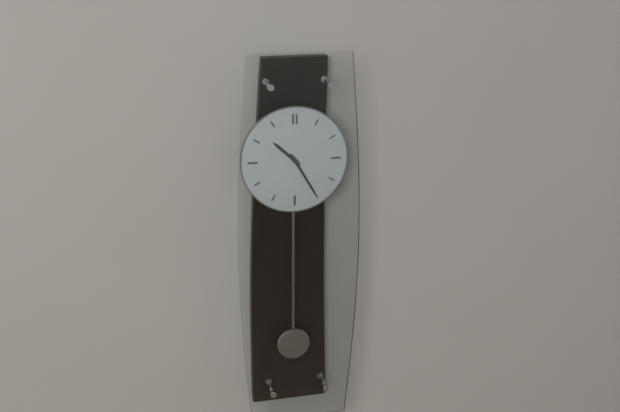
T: 10 h 25 min
